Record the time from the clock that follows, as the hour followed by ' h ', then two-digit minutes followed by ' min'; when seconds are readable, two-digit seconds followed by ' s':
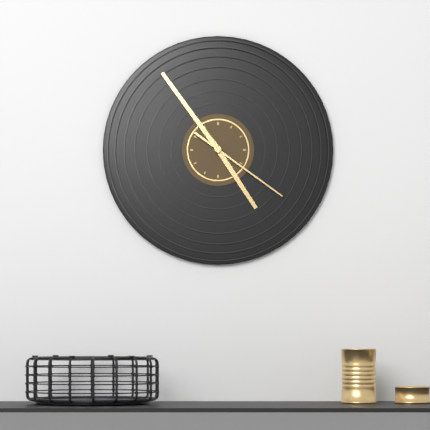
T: 4 h 54 min 21 s
